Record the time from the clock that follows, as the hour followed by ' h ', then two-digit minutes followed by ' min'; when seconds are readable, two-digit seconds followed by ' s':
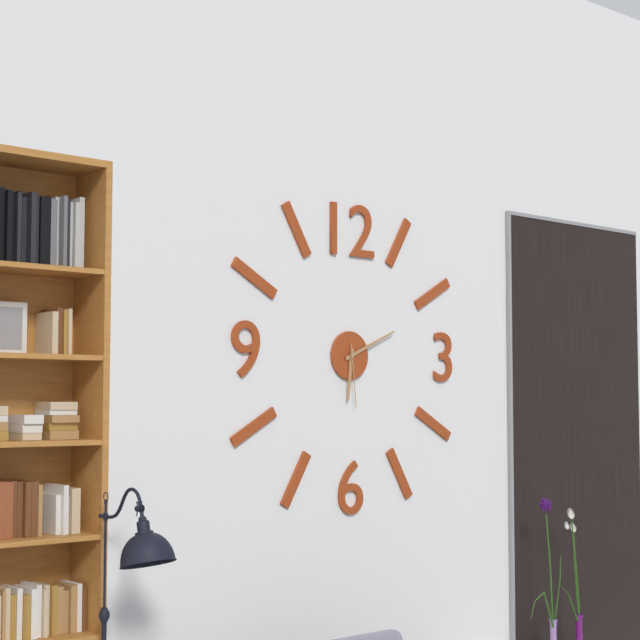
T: 6 h 11 min 29 s
